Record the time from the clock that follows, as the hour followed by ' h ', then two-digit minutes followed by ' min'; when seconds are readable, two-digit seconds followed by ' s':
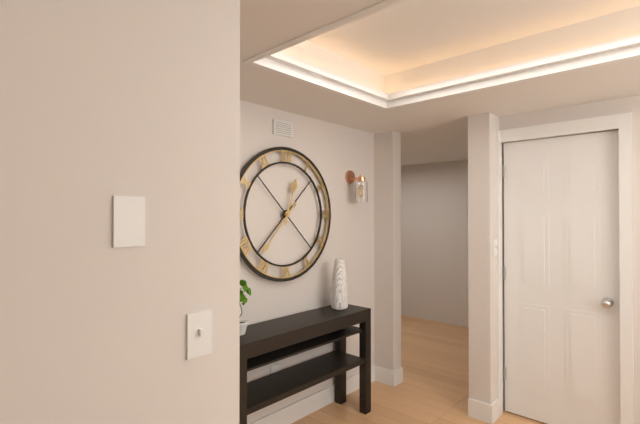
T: 12 h 37 min
